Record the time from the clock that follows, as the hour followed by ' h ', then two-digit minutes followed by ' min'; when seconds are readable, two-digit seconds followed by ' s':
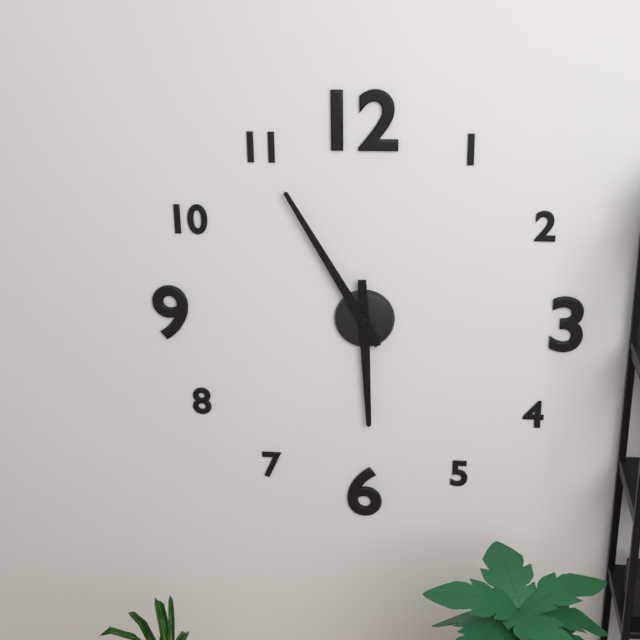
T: 5 h 55 min
